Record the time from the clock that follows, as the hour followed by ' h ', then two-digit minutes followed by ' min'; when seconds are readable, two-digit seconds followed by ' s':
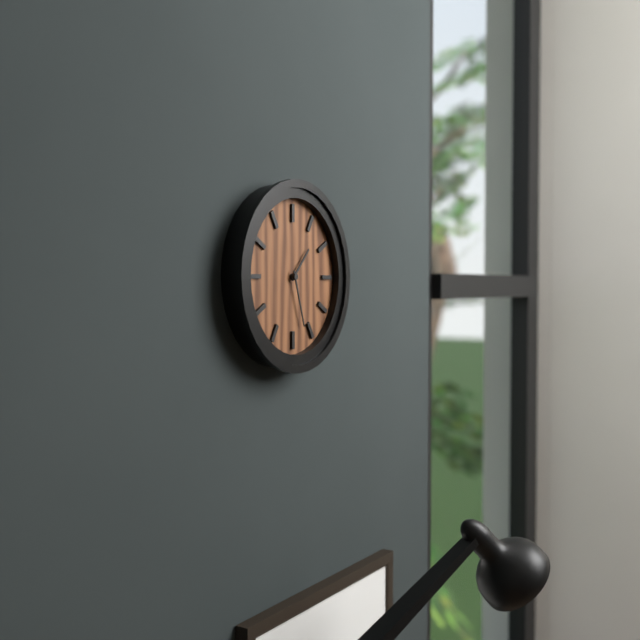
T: 1 h 27 min
